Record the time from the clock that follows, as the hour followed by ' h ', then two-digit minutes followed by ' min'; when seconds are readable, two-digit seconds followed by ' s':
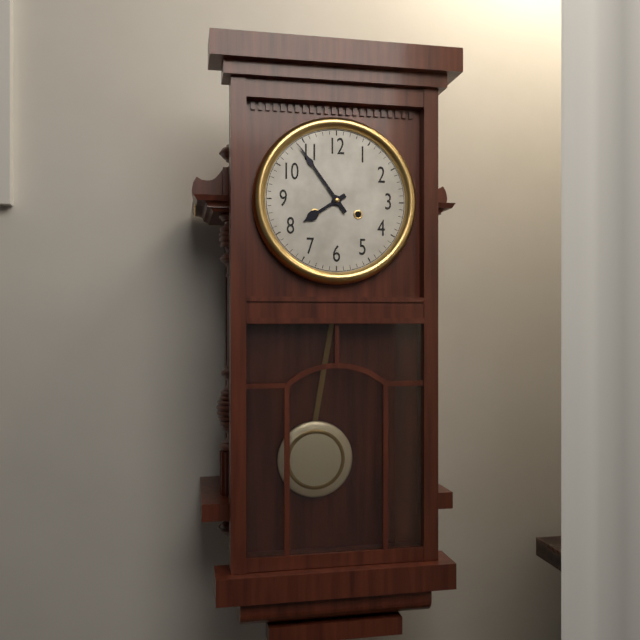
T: 7 h 54 min
